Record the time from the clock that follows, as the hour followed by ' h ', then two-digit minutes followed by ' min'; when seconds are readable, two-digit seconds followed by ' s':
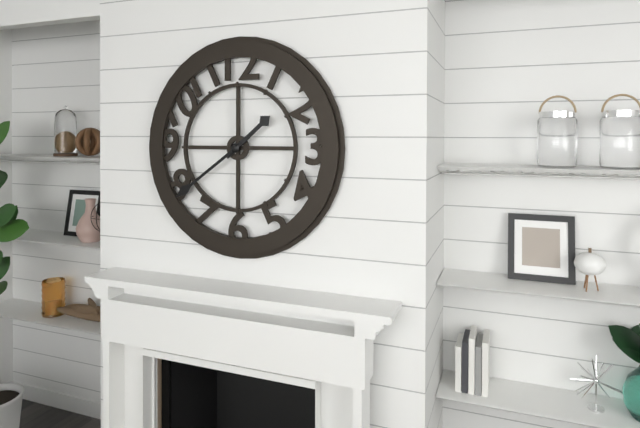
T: 1 h 39 min
